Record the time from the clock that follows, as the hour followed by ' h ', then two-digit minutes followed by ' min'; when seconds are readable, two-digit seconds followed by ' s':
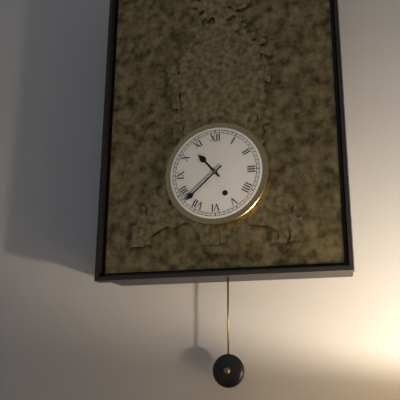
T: 10 h 38 min
